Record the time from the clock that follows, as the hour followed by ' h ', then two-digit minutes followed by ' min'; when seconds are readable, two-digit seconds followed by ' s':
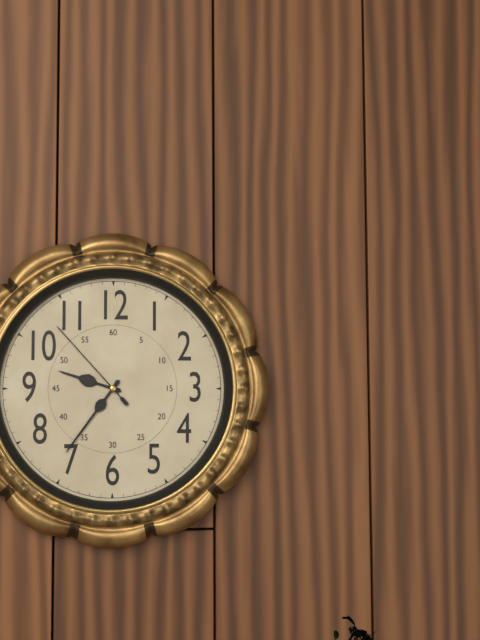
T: 9 h 36 min 53 s
